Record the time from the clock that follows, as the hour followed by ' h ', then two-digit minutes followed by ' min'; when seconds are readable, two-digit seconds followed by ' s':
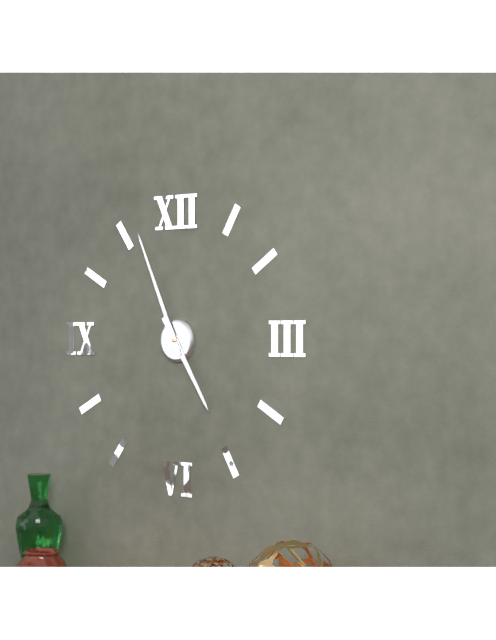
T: 4 h 56 min
